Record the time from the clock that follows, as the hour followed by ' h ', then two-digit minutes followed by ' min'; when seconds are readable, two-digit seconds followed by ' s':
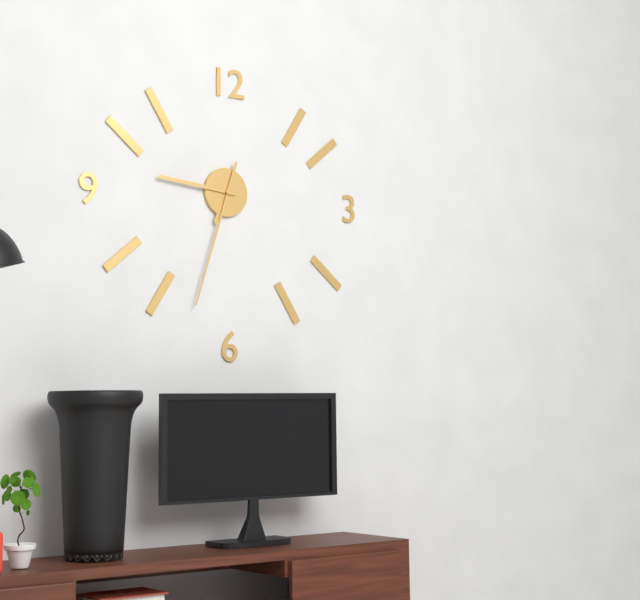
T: 6 h 46 min 33 s
